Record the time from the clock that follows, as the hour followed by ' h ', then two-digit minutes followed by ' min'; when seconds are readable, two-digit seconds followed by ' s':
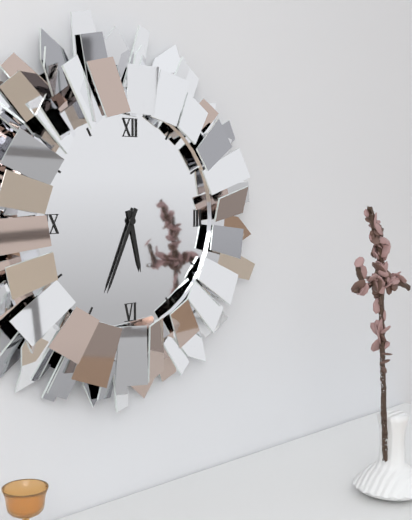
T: 5 h 34 min
